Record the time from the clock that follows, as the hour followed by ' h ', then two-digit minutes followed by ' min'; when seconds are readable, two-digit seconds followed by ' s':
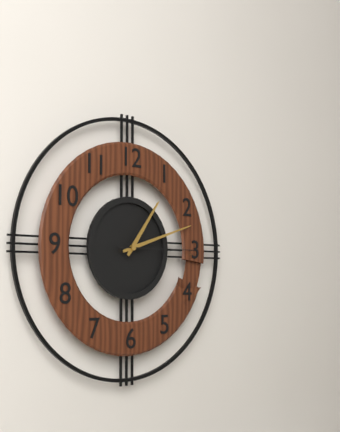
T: 1 h 12 min 15 s
